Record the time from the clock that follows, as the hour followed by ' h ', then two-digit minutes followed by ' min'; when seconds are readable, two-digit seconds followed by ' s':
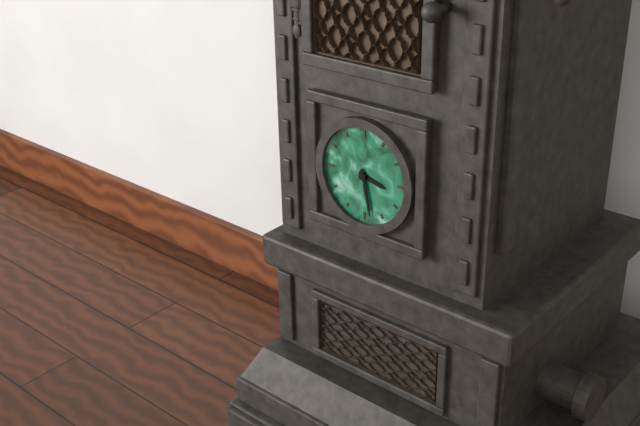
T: 3 h 28 min
